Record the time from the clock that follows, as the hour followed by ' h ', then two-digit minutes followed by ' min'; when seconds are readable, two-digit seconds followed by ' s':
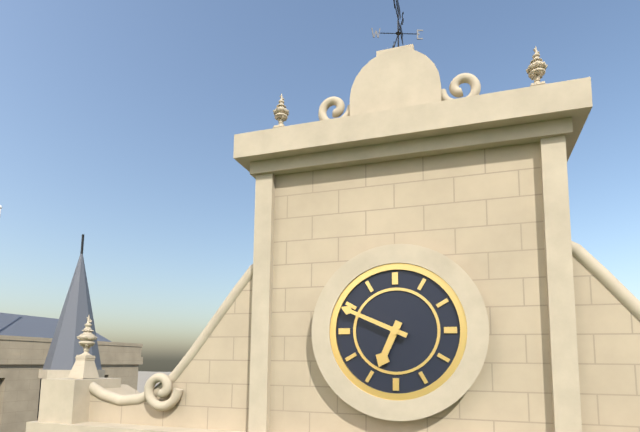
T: 6 h 49 min
